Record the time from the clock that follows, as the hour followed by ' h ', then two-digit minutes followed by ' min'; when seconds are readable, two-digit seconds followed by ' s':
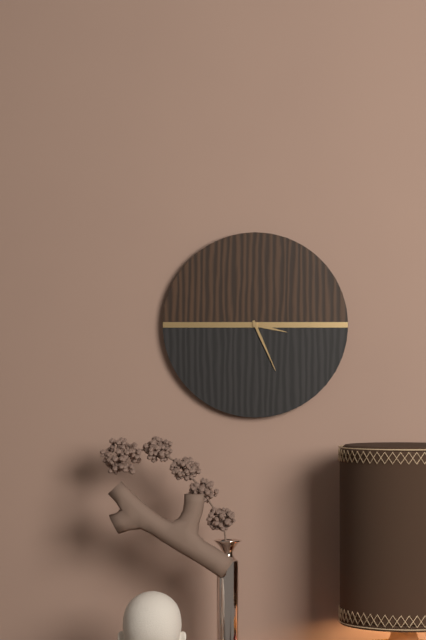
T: 3 h 26 min
